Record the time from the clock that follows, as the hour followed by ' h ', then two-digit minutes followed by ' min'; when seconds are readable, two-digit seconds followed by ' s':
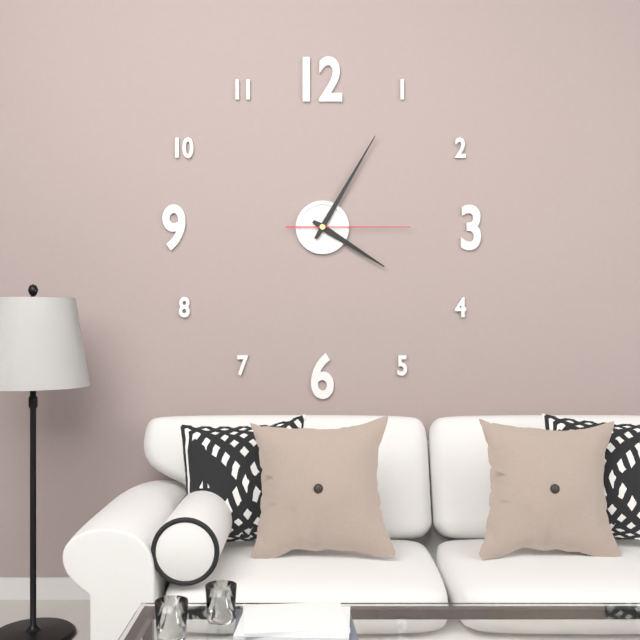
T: 4 h 05 min 15 s
